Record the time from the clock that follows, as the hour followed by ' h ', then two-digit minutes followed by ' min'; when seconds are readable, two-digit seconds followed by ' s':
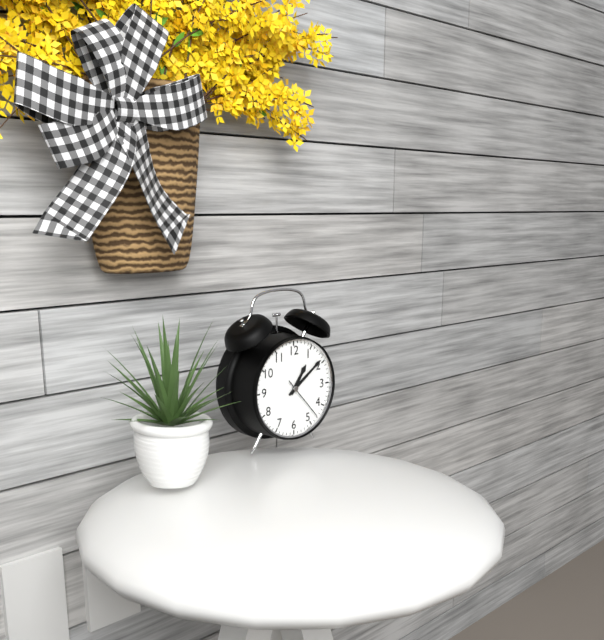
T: 1 h 09 min
